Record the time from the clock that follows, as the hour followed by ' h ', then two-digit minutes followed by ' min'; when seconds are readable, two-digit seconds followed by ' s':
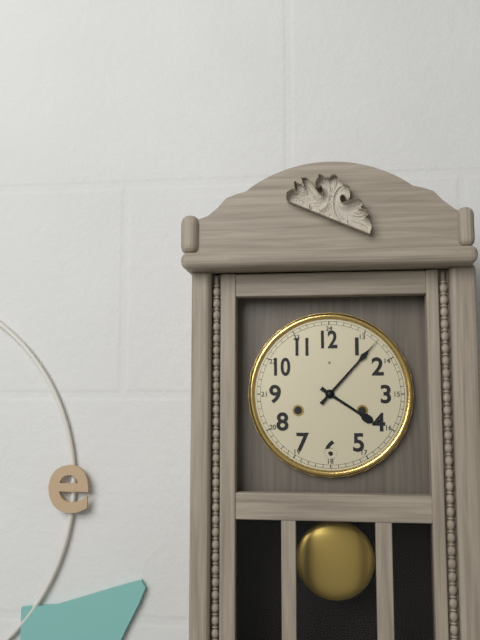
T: 4 h 07 min
